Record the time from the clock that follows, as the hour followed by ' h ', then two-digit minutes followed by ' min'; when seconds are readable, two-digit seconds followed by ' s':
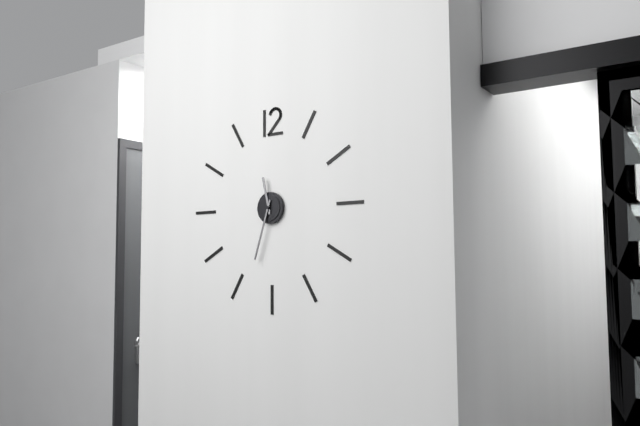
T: 11 h 33 min
